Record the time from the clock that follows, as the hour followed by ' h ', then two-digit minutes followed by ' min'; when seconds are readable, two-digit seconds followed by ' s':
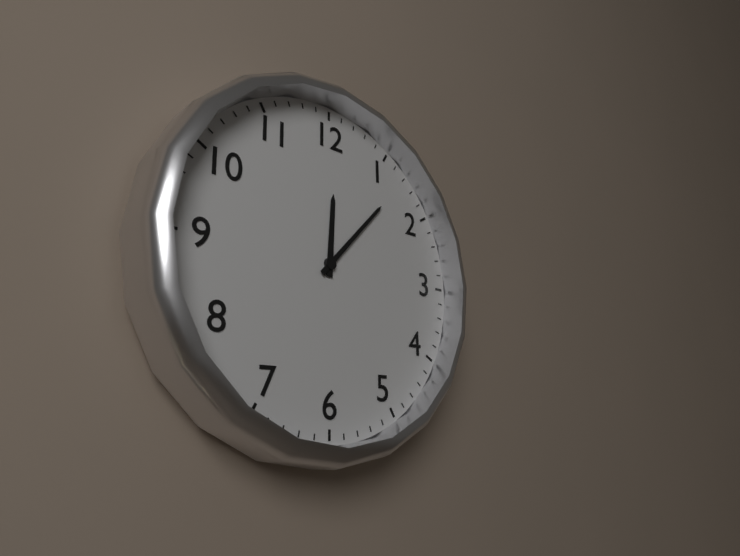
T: 12 h 07 min
